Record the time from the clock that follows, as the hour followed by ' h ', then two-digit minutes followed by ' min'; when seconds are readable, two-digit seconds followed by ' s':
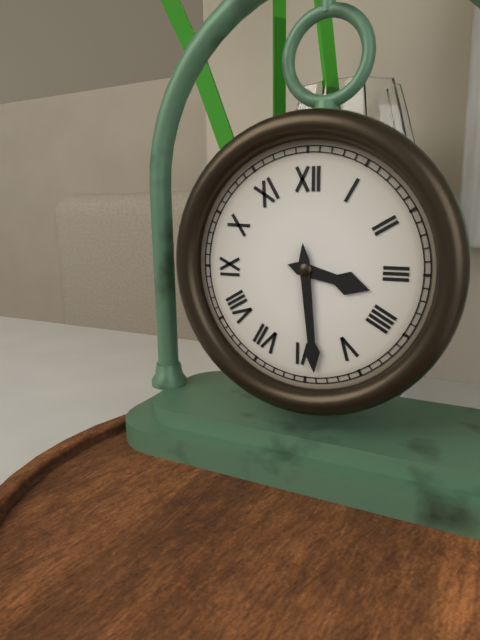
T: 3 h 29 min
